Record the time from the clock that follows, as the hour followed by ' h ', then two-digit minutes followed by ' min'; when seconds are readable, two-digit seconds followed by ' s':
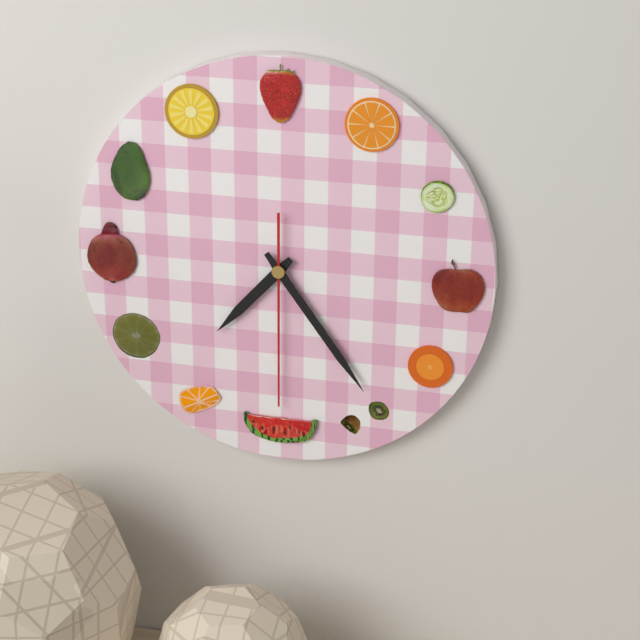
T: 7 h 24 min 30 s
